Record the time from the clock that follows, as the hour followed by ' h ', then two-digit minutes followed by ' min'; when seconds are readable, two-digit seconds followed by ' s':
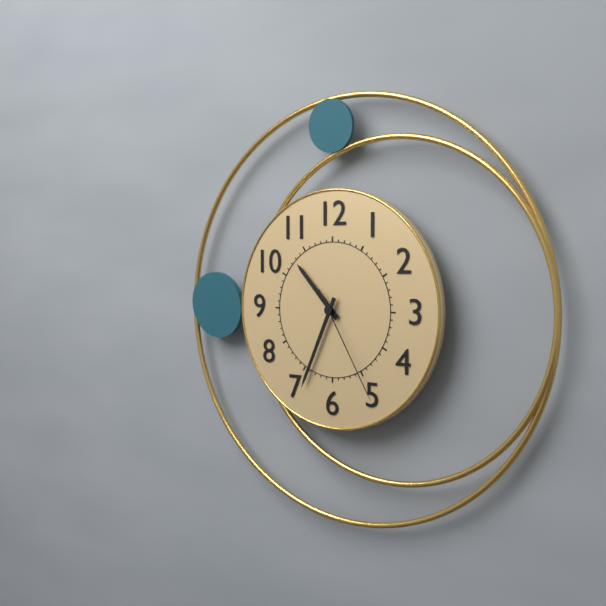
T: 10 h 34 min 25 s
